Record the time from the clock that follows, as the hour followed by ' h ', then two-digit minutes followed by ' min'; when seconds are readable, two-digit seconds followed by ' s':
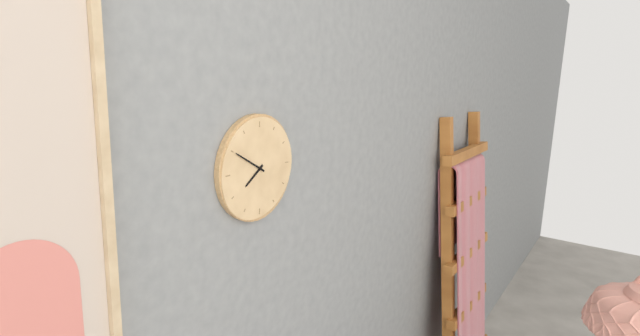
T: 7 h 50 min
